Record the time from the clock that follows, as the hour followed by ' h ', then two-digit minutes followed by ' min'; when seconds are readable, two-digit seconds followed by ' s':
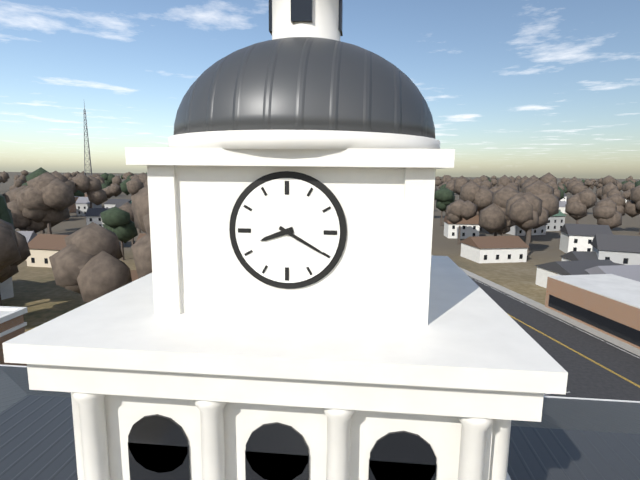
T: 8 h 20 min
